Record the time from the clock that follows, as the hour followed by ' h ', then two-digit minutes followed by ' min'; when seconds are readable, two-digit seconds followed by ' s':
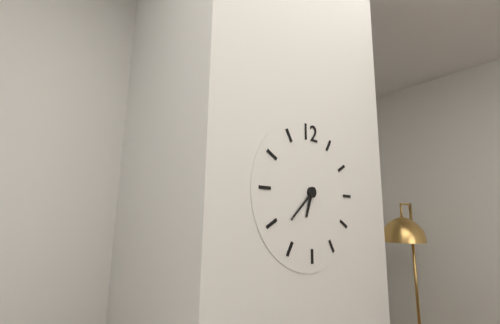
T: 6 h 38 min
